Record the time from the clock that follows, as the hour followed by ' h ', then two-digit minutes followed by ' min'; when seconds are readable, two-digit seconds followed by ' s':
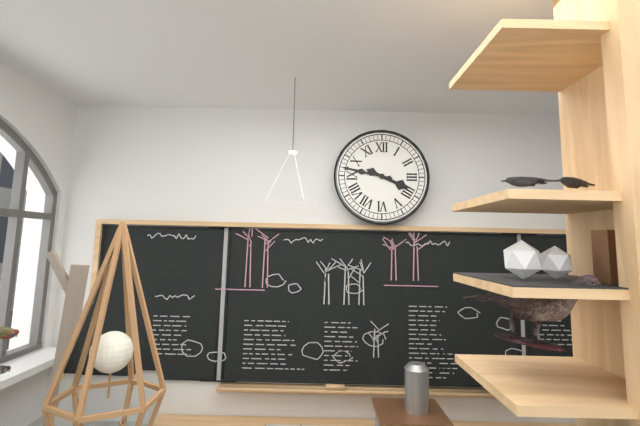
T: 3 h 47 min
